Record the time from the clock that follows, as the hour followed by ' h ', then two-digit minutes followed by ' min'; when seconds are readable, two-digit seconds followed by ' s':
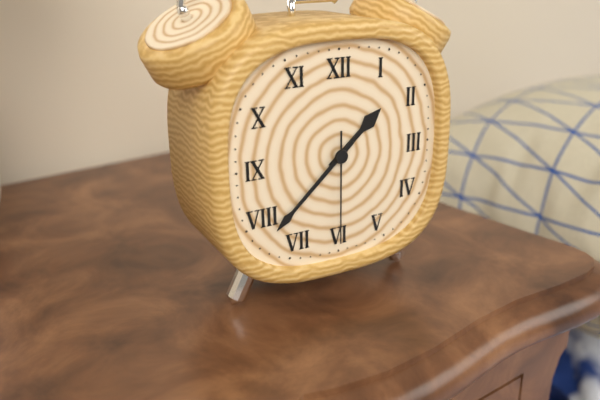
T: 1 h 38 min 30 s
